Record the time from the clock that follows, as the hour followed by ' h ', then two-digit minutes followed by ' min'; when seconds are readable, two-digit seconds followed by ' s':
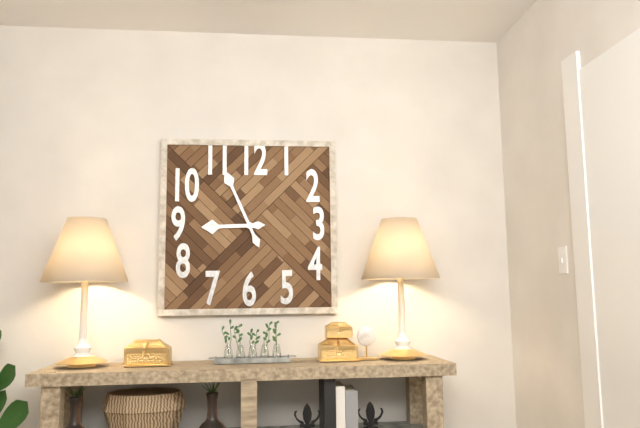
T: 8 h 56 min
